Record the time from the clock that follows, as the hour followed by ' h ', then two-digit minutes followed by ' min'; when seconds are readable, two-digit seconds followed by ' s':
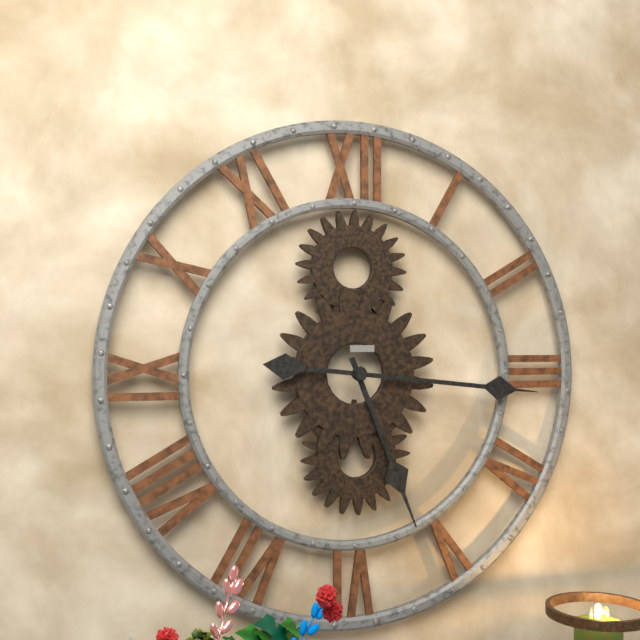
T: 5 h 16 min
